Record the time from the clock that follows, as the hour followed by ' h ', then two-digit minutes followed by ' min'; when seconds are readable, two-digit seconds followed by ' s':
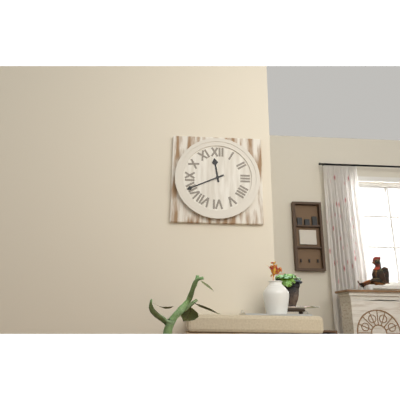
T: 11 h 41 min
